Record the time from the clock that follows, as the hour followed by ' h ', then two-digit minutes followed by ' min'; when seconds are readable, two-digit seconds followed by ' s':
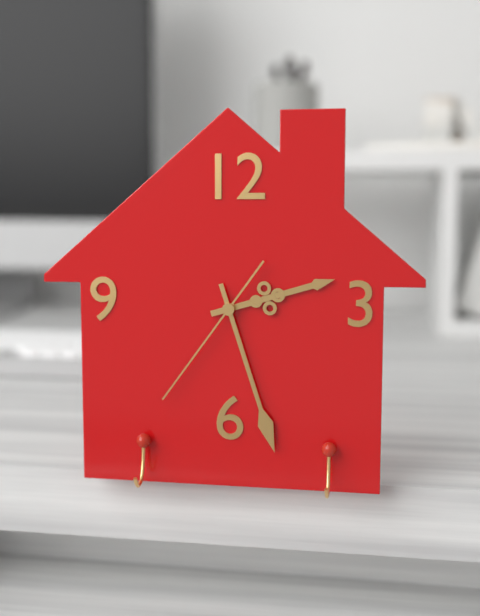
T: 2 h 27 min 36 s
